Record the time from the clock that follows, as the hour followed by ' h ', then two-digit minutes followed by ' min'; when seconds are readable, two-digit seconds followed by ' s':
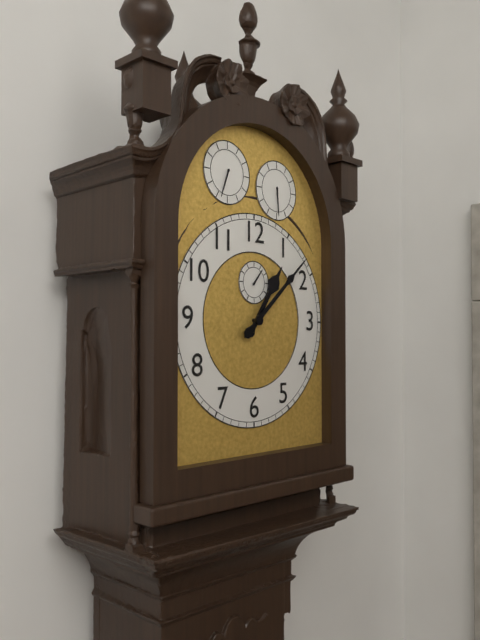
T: 1 h 08 min
